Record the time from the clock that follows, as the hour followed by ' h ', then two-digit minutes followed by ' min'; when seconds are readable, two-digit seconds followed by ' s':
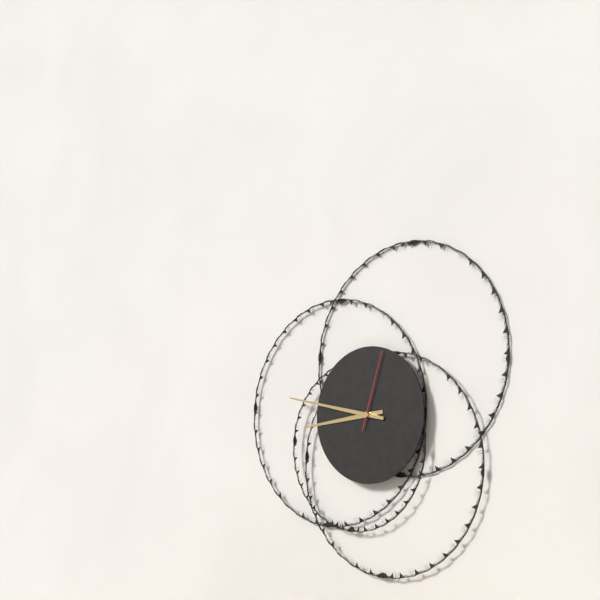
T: 8 h 47 min 03 s
